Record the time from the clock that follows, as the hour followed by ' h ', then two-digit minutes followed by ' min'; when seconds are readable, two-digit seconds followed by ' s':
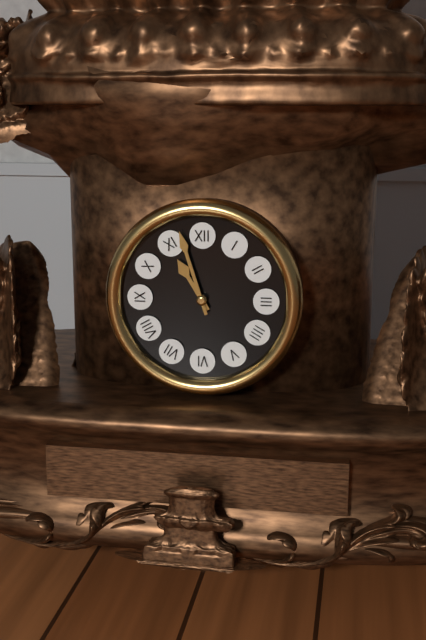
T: 10 h 57 min
